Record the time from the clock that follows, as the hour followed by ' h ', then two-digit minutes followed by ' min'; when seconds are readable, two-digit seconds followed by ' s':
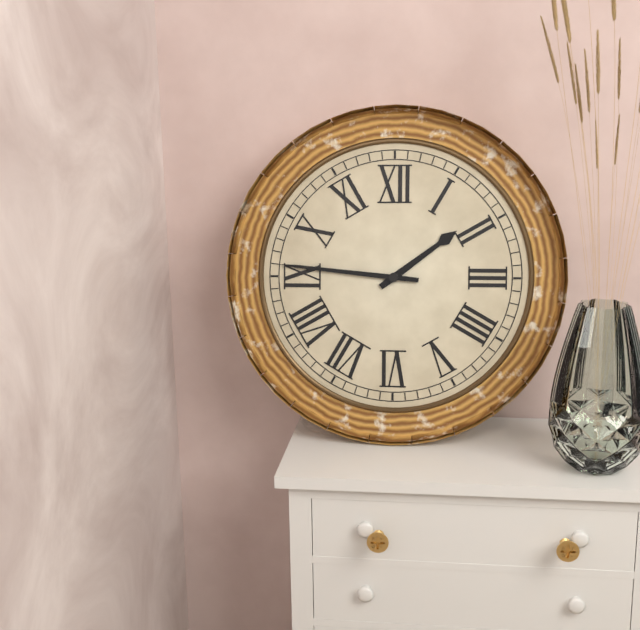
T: 1 h 46 min
